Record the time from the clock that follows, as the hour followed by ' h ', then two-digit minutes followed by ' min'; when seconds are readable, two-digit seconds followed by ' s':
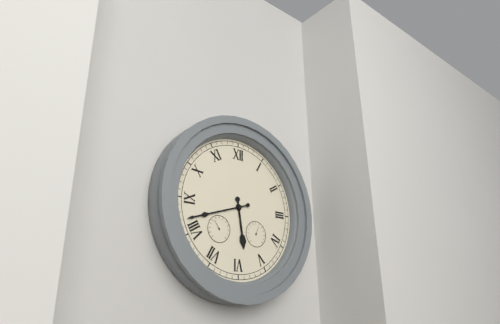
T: 5 h 42 min
